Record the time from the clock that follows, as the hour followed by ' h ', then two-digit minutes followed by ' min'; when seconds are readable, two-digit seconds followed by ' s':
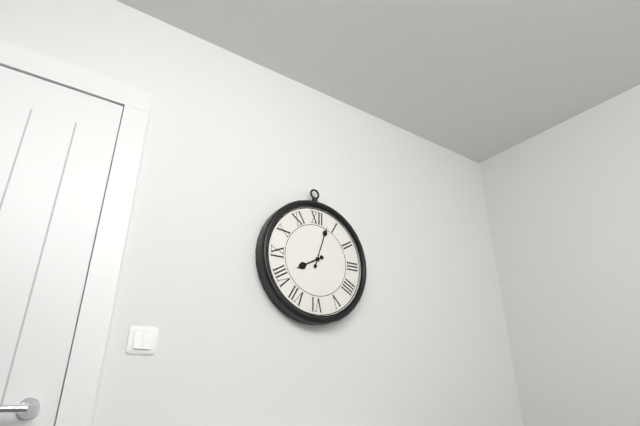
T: 8 h 03 min
